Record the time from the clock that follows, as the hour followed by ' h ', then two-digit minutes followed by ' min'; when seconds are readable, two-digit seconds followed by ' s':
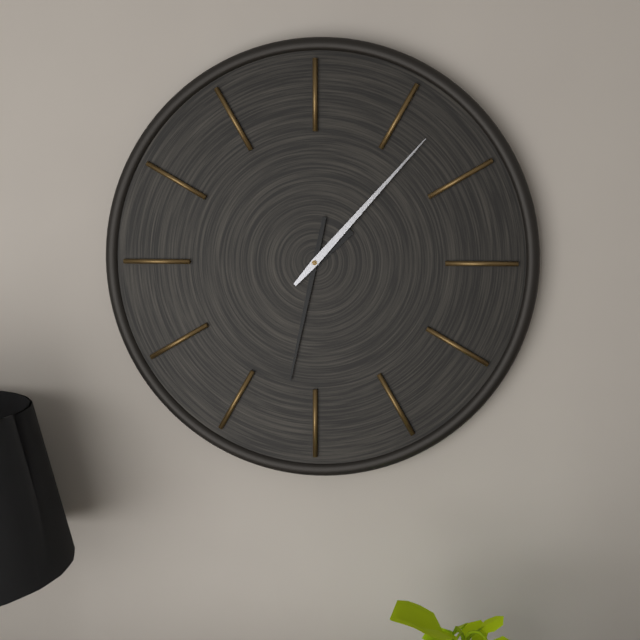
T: 1 h 32 min 07 s
